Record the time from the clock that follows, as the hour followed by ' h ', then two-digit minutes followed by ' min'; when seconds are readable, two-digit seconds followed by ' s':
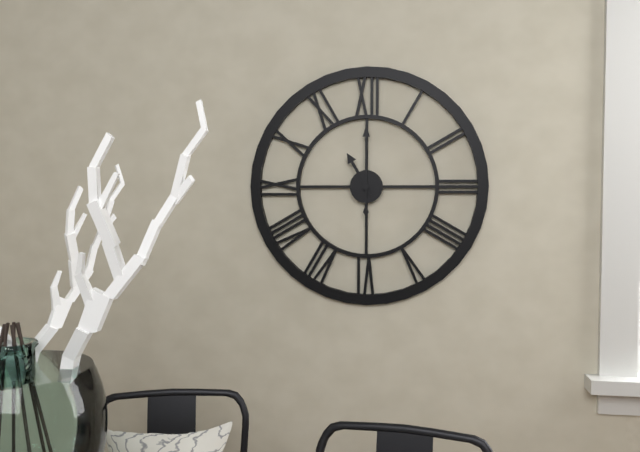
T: 11 h 00 min
